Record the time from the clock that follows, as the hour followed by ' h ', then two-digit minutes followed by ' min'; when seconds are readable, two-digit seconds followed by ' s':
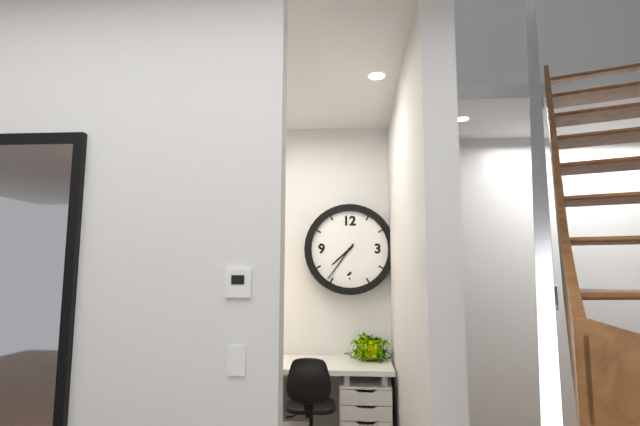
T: 7 h 36 min
